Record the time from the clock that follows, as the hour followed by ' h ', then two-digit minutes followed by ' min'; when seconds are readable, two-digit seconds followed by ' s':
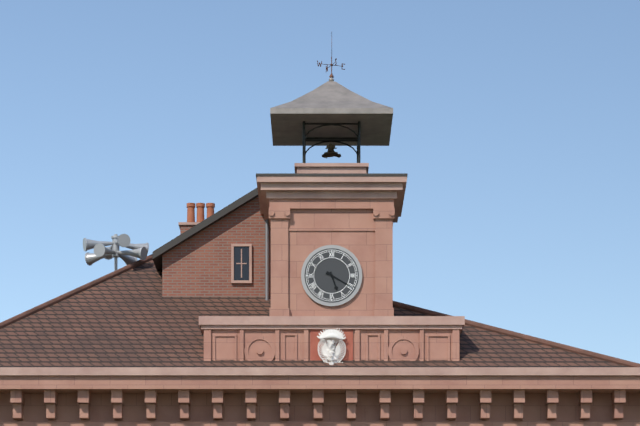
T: 5 h 20 min
